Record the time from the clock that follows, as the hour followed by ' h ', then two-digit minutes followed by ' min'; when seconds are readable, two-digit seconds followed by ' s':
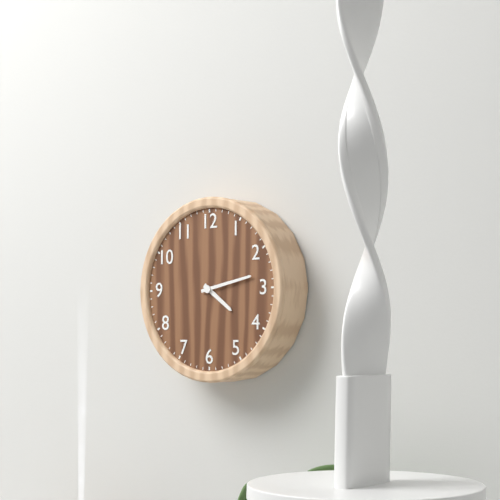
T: 4 h 13 min
